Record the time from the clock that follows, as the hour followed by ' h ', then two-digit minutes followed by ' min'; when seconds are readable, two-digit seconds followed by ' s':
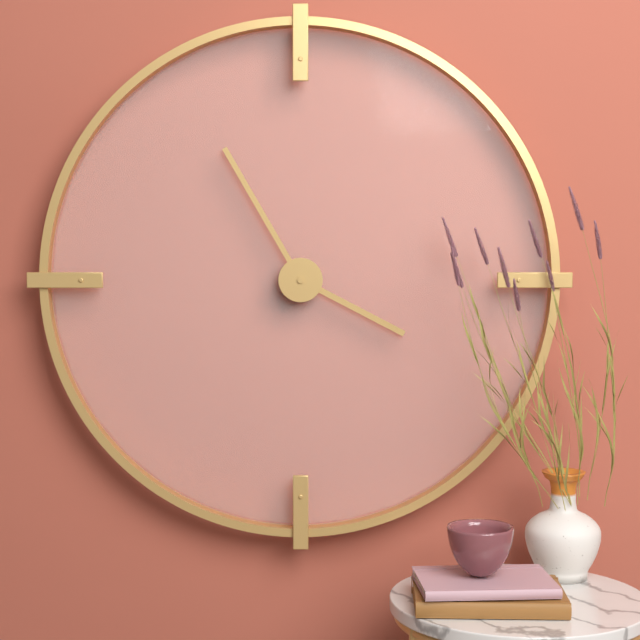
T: 3 h 55 min
